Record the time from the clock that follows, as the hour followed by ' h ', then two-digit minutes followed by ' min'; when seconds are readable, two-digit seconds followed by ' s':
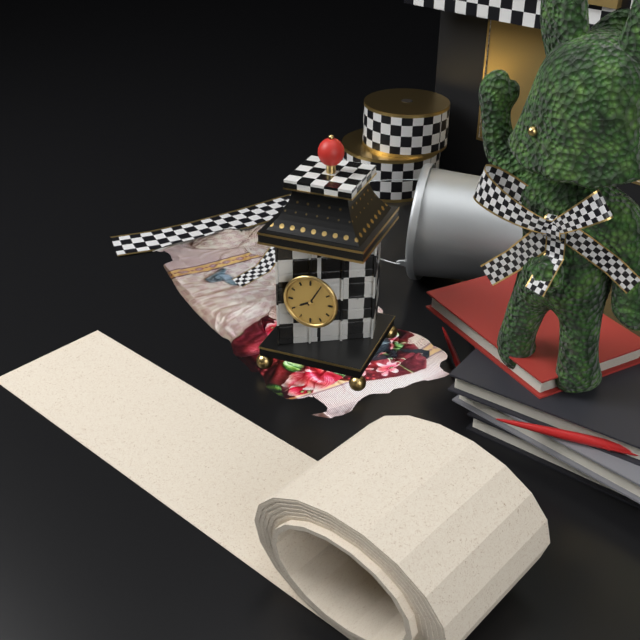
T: 8 h 05 min
